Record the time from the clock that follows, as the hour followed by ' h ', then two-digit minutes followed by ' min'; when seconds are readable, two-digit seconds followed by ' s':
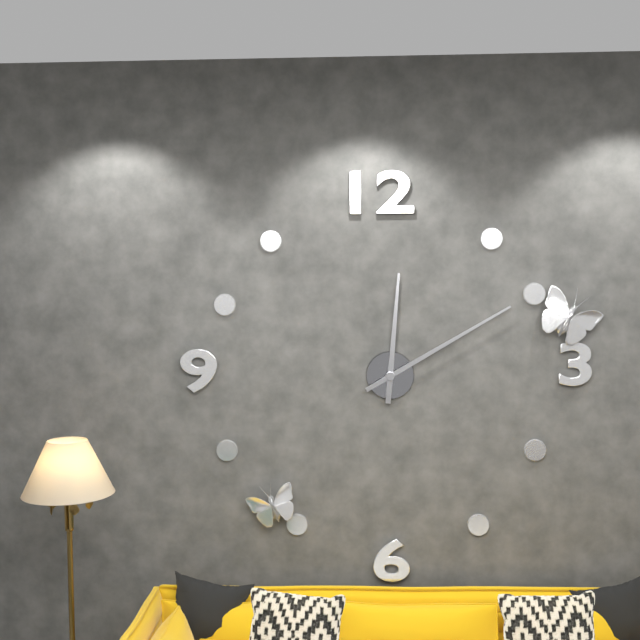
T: 12 h 10 min
